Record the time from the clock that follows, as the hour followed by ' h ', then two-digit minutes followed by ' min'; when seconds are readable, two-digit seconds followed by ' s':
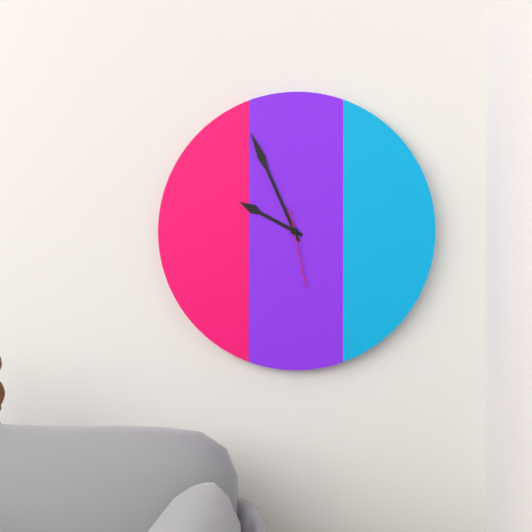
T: 9 h 56 min 28 s
